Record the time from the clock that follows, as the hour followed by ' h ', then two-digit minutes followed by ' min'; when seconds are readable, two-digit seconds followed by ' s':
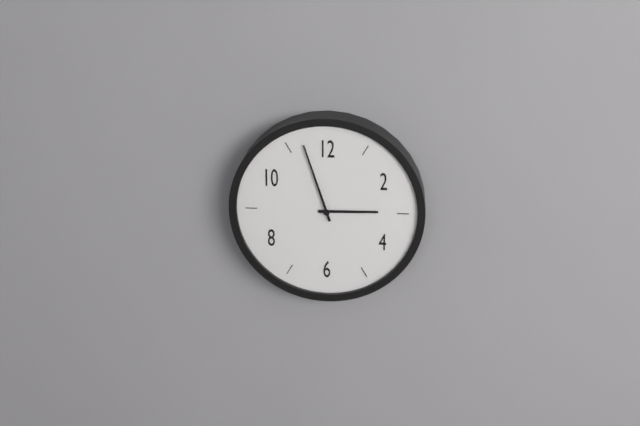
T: 2 h 57 min
